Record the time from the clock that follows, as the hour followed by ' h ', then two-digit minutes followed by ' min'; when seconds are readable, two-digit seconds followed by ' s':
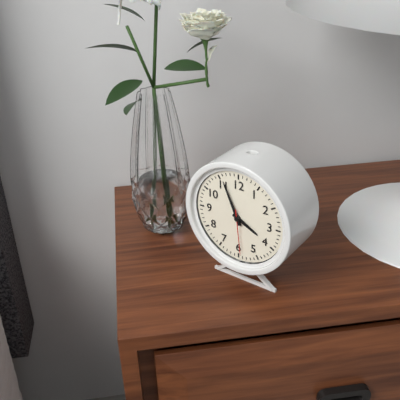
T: 3 h 56 min
